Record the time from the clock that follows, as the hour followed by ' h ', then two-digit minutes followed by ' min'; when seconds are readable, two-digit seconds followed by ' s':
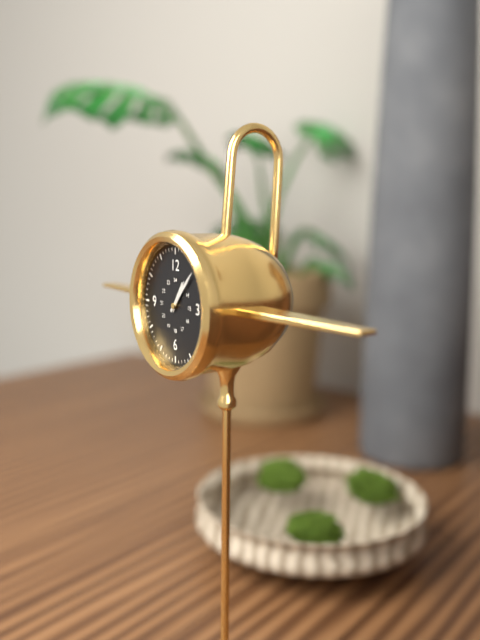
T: 1 h 07 min
